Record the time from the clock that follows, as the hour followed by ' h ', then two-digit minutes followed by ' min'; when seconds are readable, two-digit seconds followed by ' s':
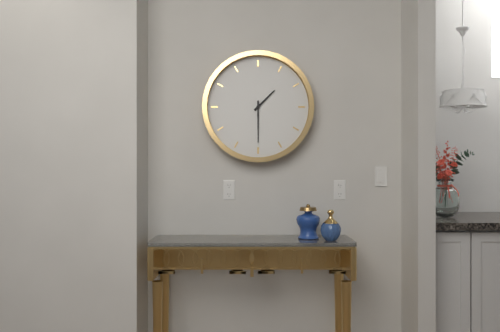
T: 1 h 30 min
